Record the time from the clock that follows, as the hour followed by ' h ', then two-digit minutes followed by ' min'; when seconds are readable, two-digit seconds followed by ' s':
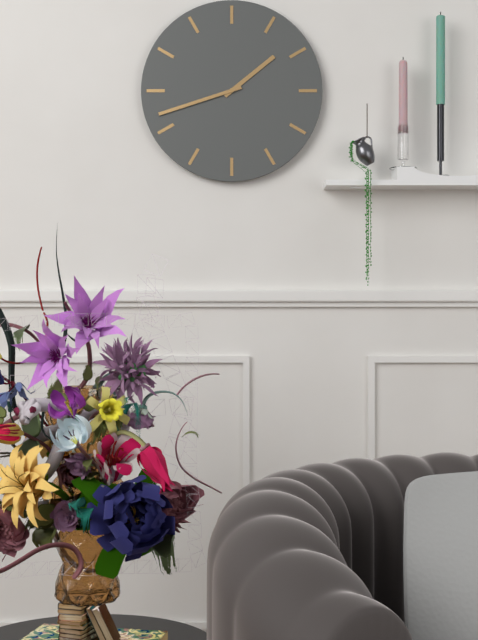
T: 1 h 42 min
